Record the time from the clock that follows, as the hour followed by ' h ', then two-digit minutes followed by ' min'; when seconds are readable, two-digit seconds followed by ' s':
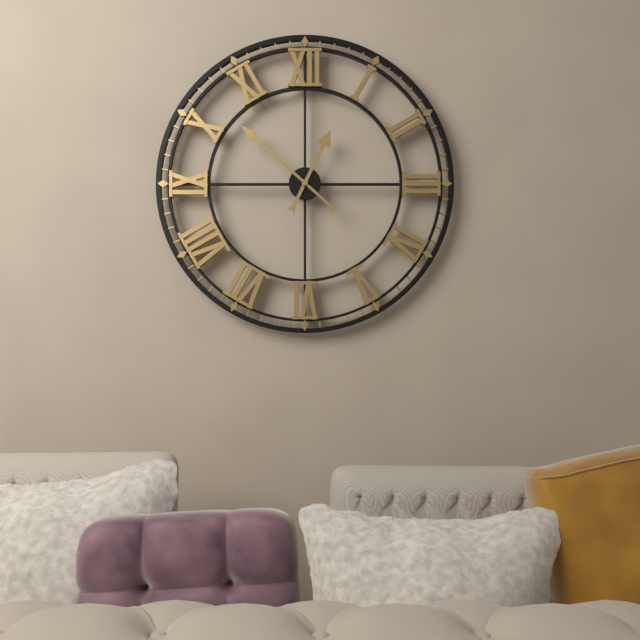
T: 12 h 52 min
